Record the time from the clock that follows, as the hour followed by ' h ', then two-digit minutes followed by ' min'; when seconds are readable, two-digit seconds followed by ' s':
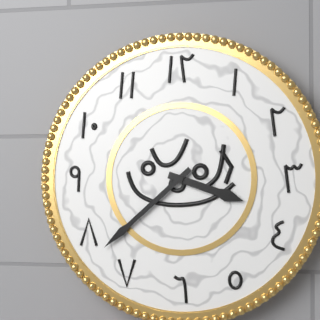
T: 3 h 38 min
